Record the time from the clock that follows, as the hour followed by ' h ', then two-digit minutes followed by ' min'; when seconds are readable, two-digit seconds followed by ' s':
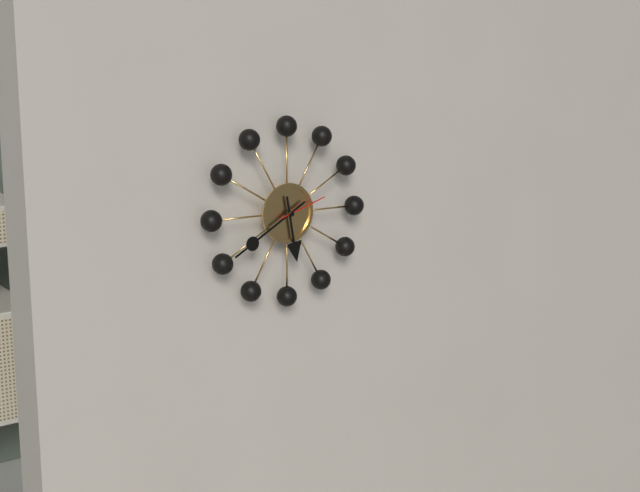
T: 5 h 40 min
